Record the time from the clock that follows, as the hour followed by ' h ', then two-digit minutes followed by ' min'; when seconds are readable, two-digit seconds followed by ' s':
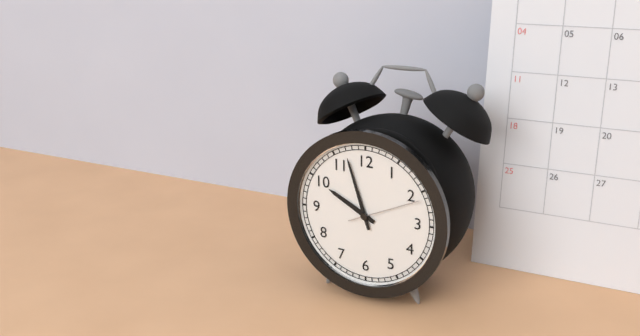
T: 9 h 57 min 11 s
